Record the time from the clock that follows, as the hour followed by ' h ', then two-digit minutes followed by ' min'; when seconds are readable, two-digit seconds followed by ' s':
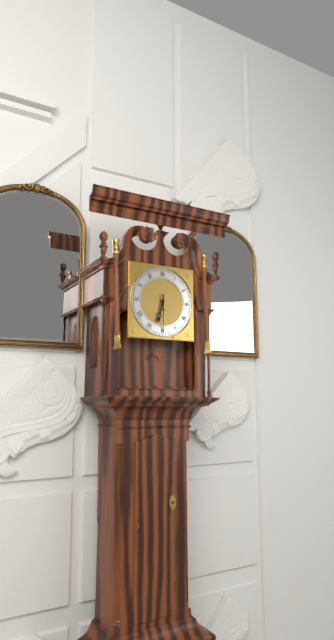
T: 6 h 30 min
